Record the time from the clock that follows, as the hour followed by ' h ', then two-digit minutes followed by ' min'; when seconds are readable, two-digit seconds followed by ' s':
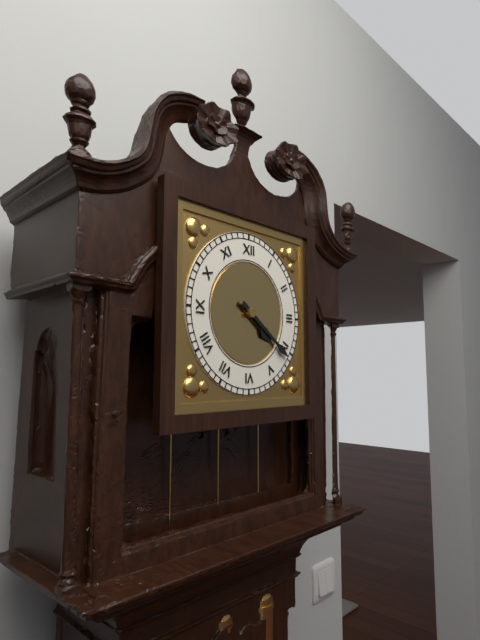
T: 4 h 21 min
